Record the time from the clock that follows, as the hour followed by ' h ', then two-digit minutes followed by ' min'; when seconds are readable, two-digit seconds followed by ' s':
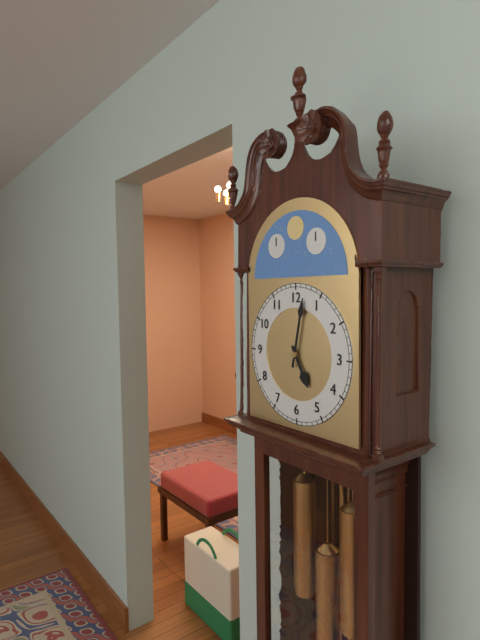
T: 5 h 02 min
